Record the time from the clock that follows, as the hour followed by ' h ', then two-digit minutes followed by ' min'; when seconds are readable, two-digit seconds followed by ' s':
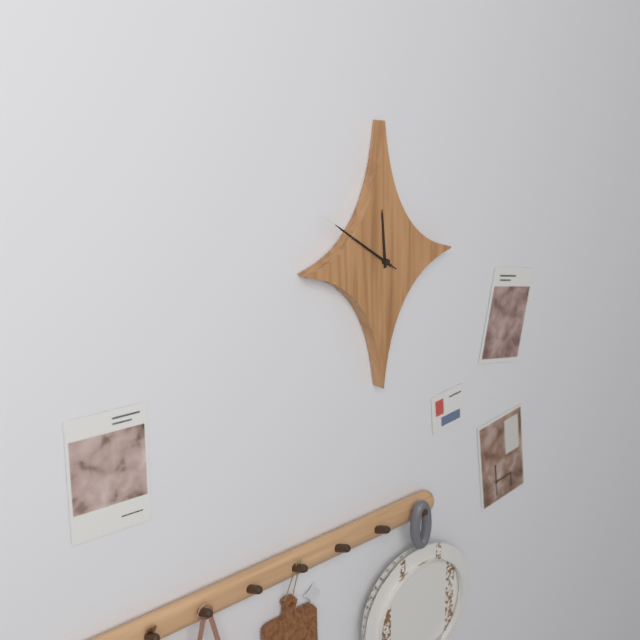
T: 11 h 51 min 51 s
